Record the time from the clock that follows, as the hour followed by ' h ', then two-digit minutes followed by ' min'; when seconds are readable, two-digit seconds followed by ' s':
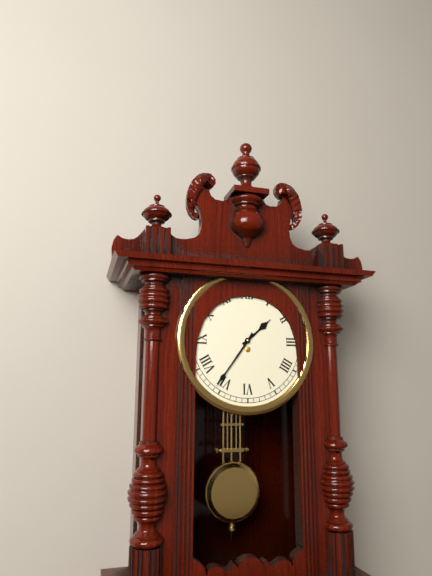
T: 1 h 36 min
